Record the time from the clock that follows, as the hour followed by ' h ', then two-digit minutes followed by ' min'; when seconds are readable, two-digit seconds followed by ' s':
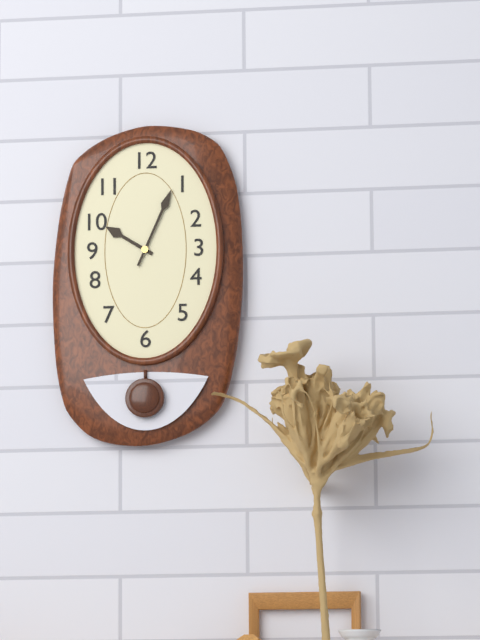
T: 10 h 04 min
